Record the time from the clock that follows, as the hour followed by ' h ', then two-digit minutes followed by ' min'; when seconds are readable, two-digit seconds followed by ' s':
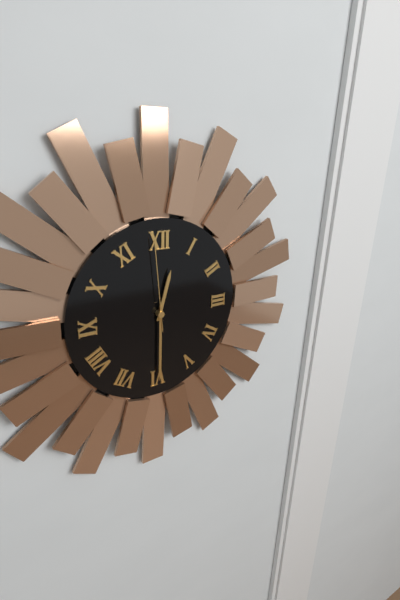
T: 12 h 30 min 59 s
